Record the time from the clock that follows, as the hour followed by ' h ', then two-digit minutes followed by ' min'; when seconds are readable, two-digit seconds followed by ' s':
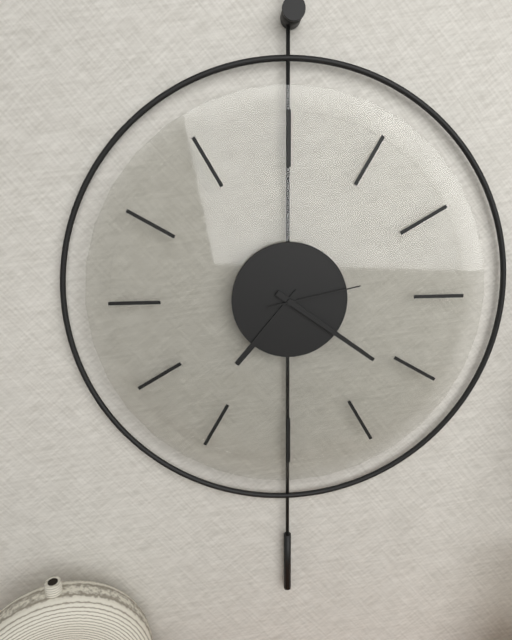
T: 7 h 21 min 13 s
